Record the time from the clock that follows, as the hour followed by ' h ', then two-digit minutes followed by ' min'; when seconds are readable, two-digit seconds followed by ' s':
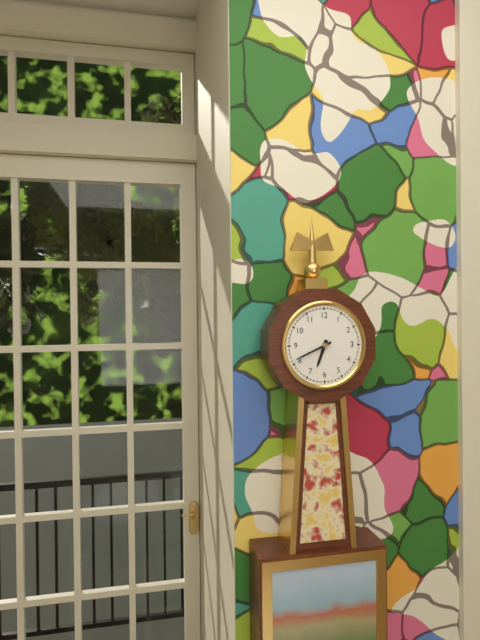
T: 6 h 41 min
